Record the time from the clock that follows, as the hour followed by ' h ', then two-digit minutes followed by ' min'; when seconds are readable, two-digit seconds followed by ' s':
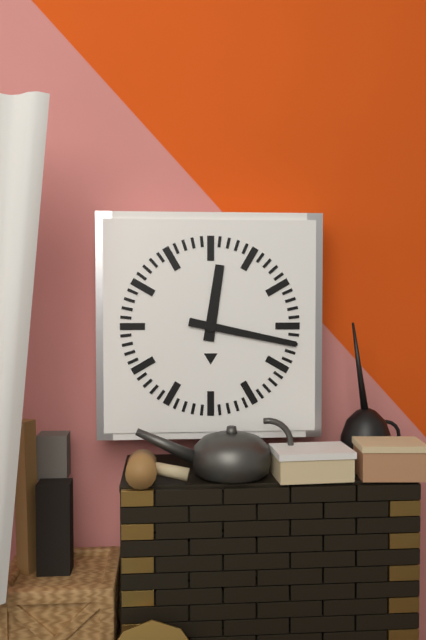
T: 12 h 17 min
